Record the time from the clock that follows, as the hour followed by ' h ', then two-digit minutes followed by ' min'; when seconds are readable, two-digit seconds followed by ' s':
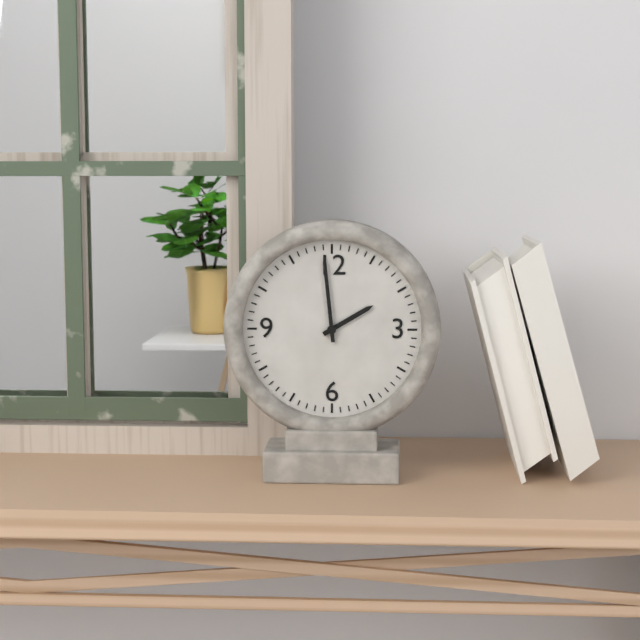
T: 1 h 59 min
